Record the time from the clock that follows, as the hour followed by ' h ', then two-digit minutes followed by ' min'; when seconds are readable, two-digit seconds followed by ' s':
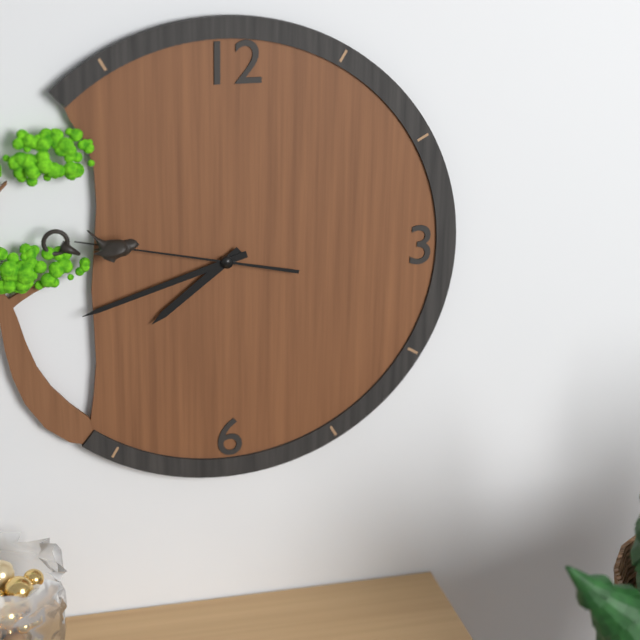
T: 7 h 42 min 47 s
